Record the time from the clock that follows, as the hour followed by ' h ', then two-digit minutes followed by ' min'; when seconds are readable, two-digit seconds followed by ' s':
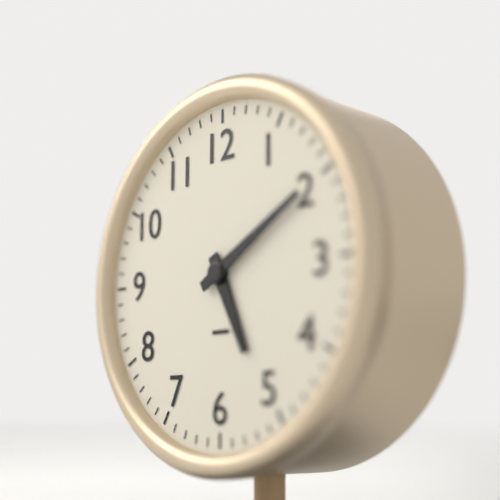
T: 5 h 10 min
